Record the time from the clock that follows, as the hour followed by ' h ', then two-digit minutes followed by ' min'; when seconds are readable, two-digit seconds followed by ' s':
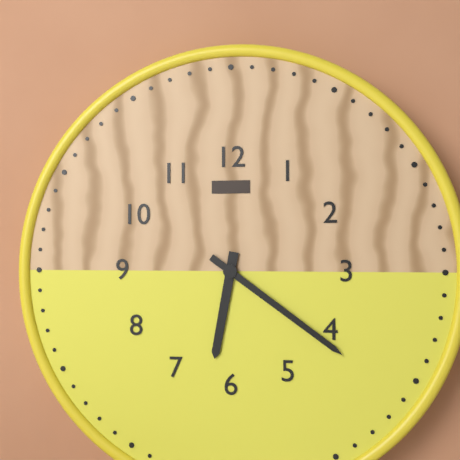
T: 6 h 21 min
